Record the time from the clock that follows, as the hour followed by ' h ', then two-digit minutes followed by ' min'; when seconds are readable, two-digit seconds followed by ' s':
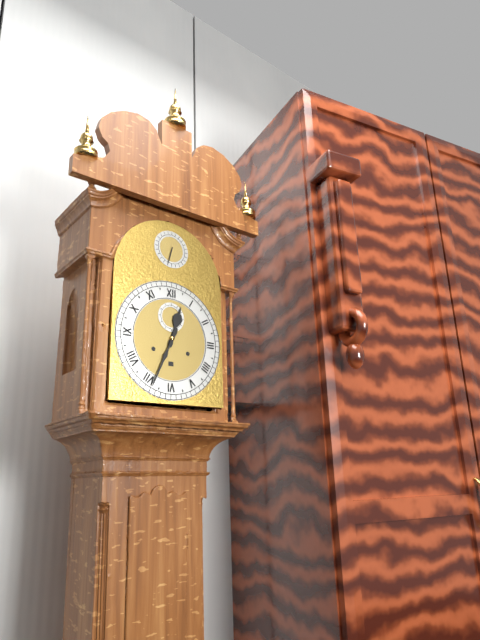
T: 12 h 34 min
